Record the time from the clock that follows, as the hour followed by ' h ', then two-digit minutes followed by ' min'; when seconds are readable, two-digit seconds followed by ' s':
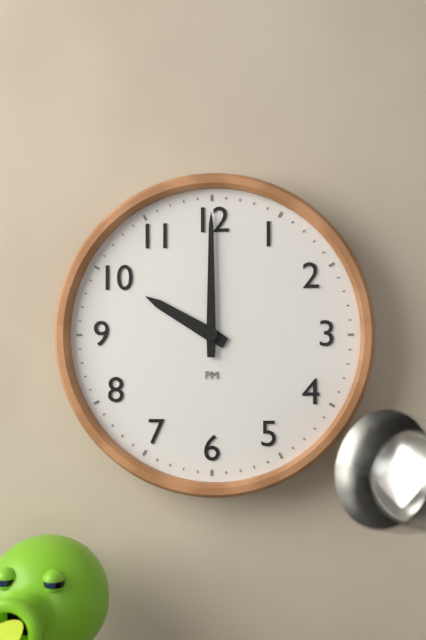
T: 10 h 00 min
